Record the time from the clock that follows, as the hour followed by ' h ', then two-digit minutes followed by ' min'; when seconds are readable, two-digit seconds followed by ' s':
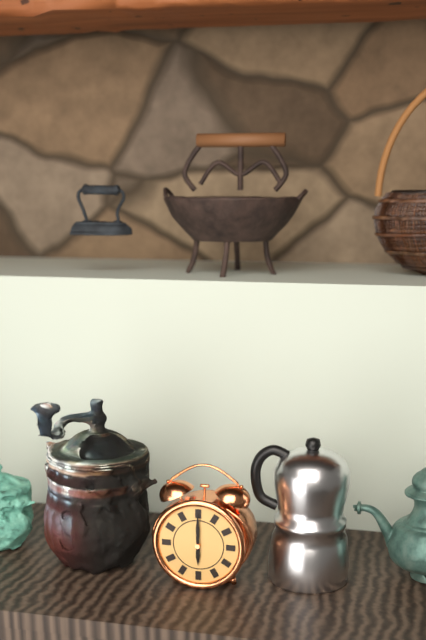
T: 6 h 00 min
